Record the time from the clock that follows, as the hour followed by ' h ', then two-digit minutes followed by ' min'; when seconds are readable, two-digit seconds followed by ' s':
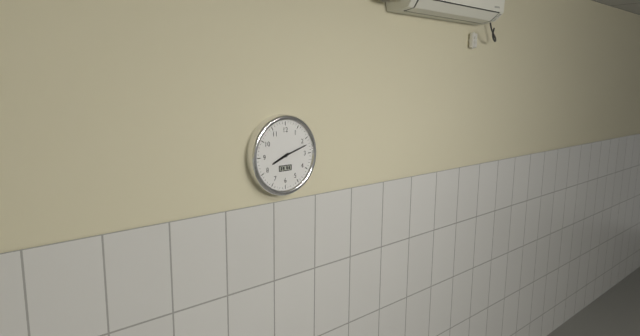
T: 8 h 12 min
